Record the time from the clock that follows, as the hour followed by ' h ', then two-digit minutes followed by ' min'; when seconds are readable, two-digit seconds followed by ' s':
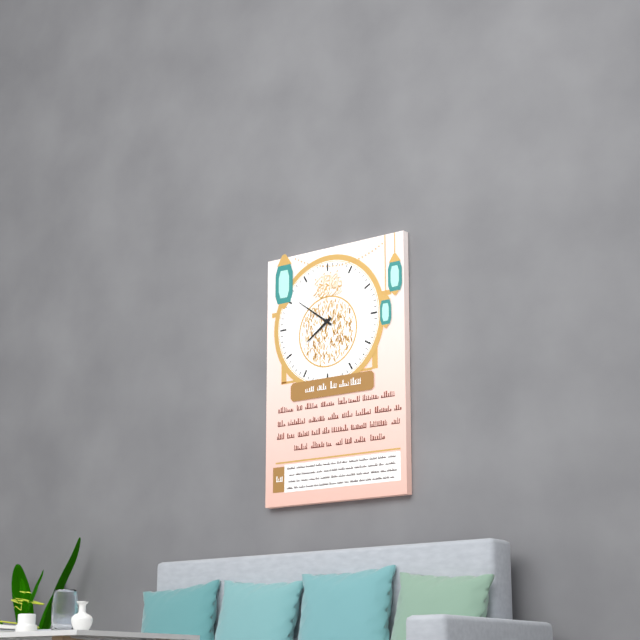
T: 7 h 51 min
